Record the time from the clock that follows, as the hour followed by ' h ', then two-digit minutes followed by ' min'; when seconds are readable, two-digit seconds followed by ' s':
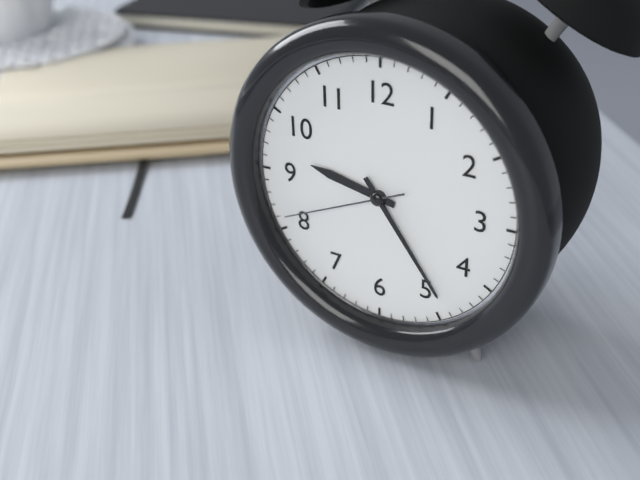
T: 9 h 24 min 41 s
